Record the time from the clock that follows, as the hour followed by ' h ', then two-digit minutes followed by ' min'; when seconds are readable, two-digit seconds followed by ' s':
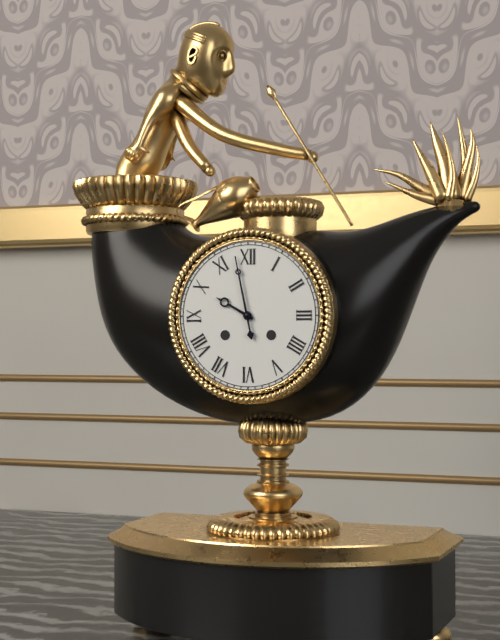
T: 9 h 58 min
